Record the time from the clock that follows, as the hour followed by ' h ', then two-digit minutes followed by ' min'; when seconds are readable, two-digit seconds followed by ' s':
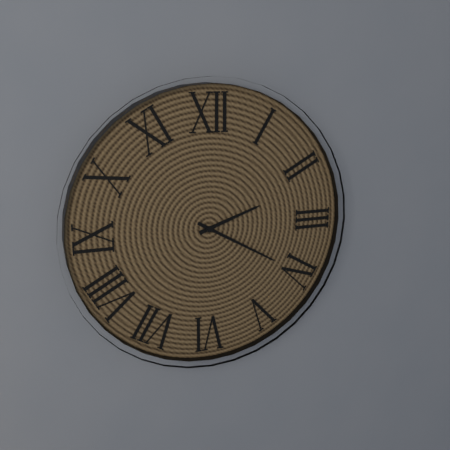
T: 2 h 20 min
